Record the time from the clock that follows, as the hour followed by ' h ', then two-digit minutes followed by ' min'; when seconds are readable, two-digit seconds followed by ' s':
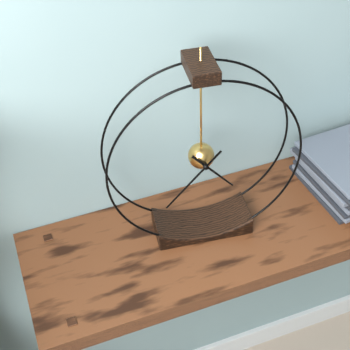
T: 4 h 37 min
